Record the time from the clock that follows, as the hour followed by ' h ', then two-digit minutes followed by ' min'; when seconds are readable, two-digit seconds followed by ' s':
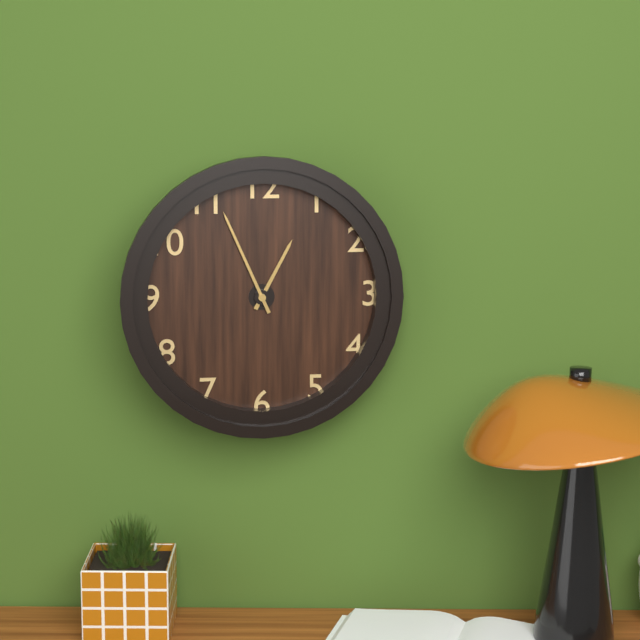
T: 12 h 56 min
